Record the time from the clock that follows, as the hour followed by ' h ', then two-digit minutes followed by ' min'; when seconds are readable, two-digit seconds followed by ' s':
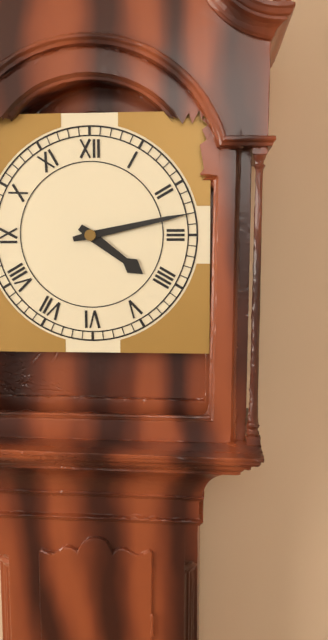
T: 4 h 13 min
